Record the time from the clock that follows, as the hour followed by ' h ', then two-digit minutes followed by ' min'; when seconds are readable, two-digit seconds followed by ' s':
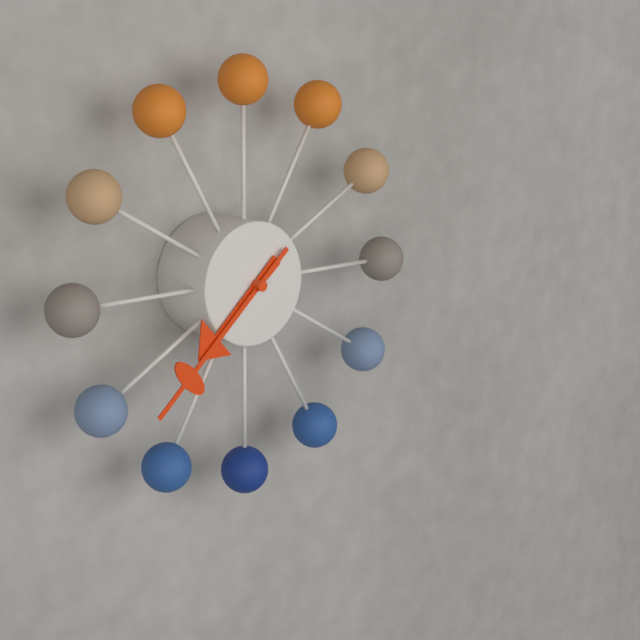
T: 7 h 38 min
